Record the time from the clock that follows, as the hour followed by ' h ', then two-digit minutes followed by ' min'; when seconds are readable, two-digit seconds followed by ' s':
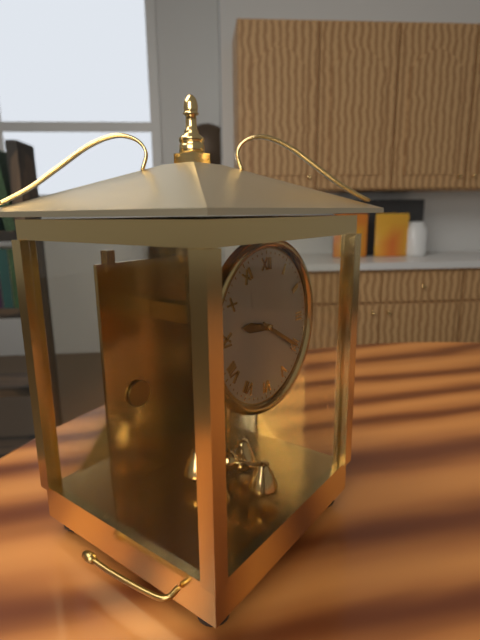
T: 9 h 20 min
